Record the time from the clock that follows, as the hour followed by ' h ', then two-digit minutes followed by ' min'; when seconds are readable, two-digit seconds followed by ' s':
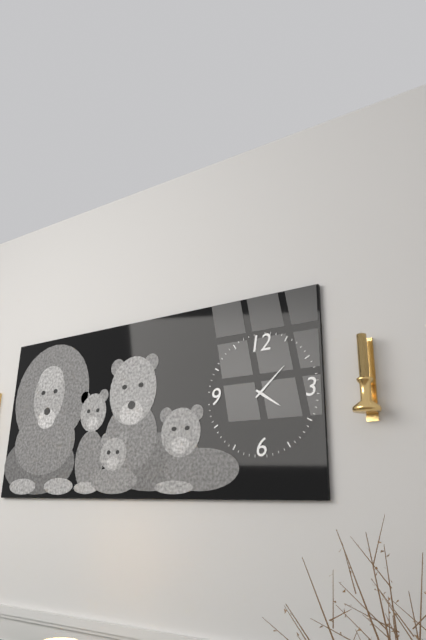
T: 4 h 08 min
